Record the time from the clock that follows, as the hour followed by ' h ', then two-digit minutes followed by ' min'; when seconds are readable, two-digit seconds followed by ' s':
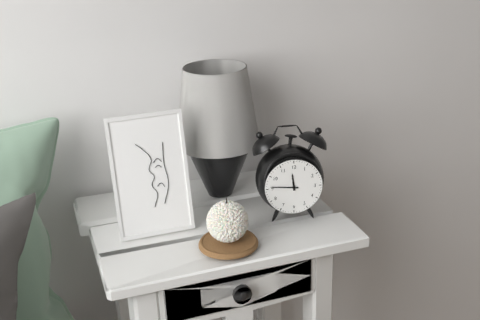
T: 11 h 46 min
